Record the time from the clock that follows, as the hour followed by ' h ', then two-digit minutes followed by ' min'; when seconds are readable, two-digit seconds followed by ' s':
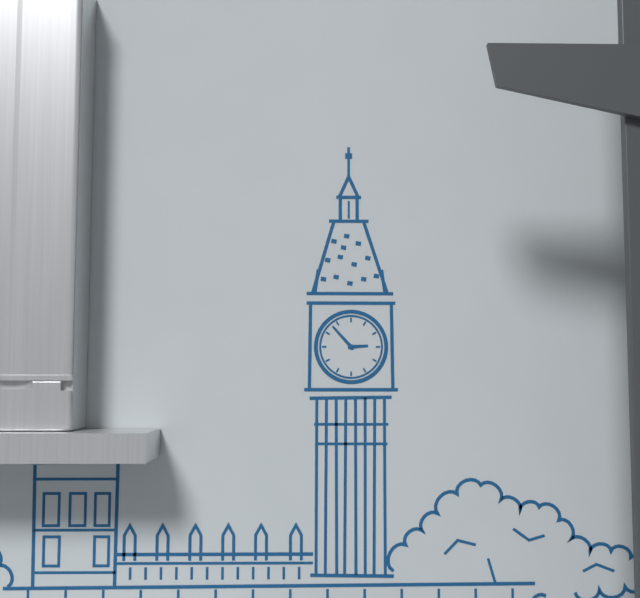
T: 2 h 53 min
